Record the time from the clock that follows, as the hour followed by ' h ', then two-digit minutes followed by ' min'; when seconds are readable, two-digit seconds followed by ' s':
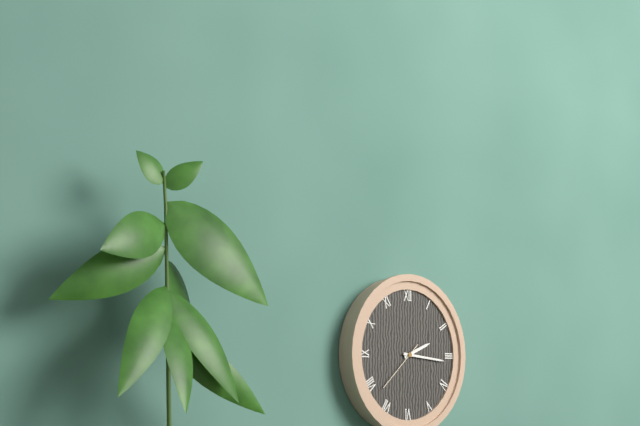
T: 2 h 16 min 38 s
